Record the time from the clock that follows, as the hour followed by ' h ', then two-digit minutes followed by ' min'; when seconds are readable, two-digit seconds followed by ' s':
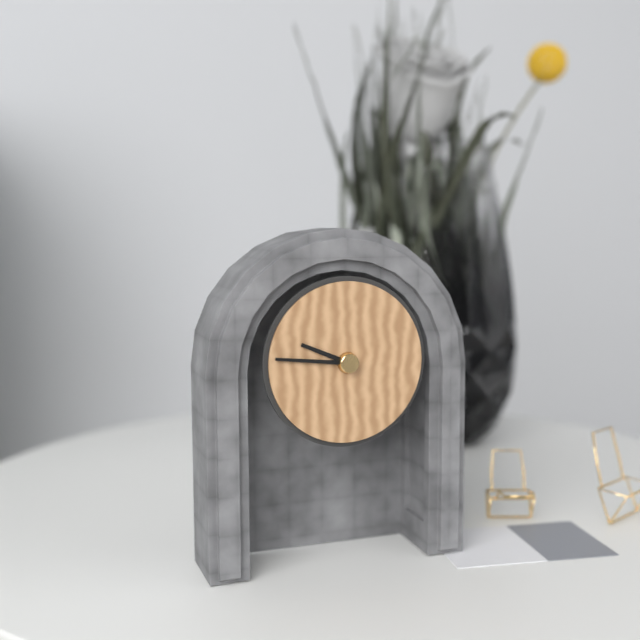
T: 9 h 46 min
